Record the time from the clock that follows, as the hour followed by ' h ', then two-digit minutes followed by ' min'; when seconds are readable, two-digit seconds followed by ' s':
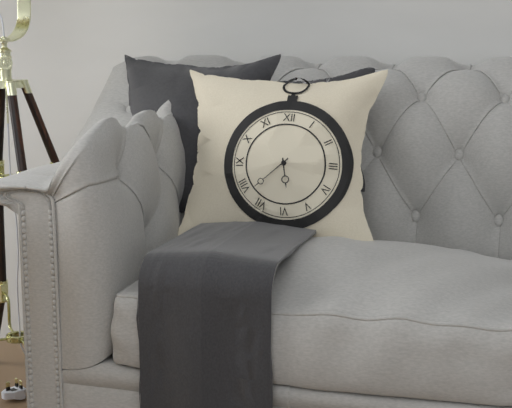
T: 5 h 38 min
